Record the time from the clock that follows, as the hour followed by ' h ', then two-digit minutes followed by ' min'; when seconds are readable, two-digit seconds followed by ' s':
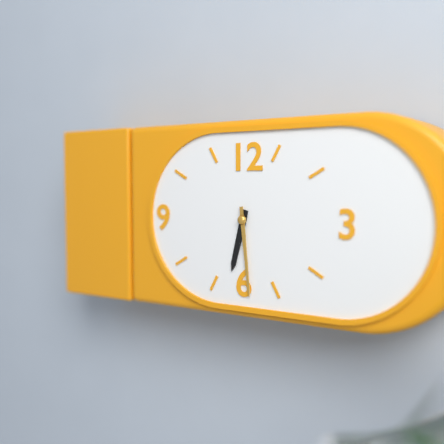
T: 6 h 29 min
